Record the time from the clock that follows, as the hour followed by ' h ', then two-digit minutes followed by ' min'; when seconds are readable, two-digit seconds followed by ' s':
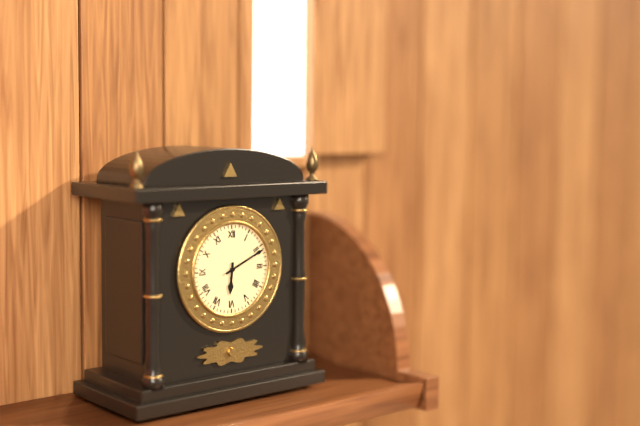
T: 6 h 11 min
